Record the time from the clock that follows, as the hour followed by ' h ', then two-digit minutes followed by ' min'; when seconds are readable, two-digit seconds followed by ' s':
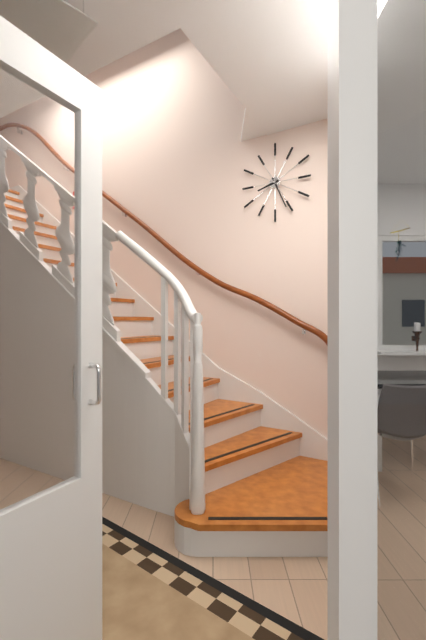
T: 8 h 26 min
